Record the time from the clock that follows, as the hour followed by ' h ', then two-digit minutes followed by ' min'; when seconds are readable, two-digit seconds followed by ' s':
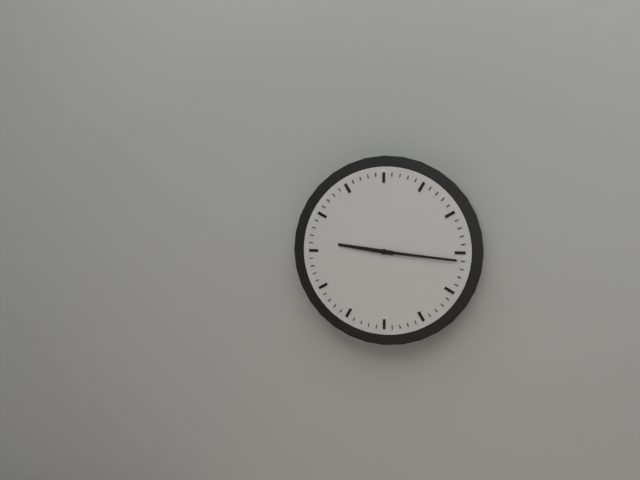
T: 9 h 16 min
